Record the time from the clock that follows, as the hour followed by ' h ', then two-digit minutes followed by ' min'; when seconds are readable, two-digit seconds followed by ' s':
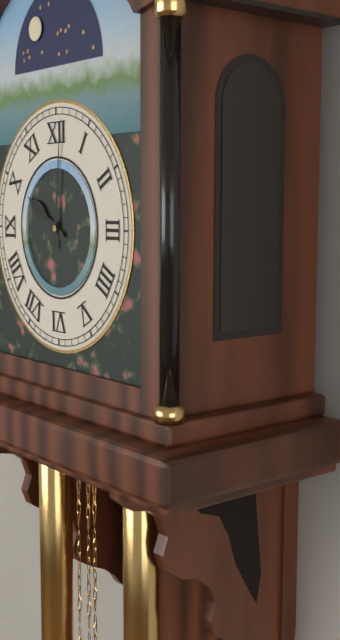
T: 10 h 01 min
